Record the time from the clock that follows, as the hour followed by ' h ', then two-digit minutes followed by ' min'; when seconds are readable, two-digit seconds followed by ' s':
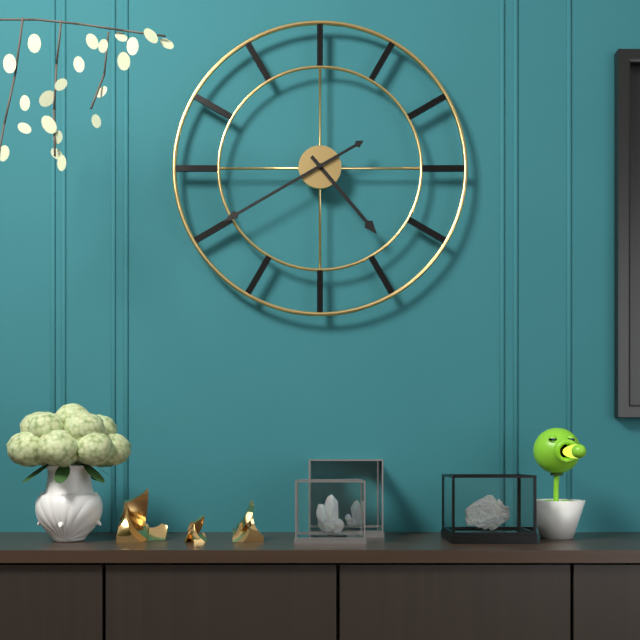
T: 4 h 40 min
